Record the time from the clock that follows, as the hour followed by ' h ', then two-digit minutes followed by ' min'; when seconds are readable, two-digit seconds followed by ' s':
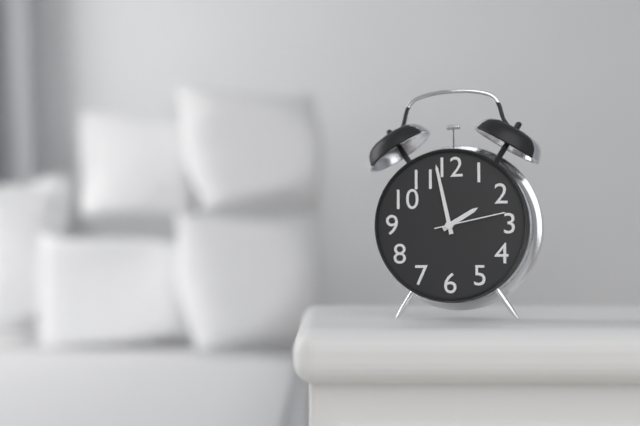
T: 1 h 58 min 13 s
